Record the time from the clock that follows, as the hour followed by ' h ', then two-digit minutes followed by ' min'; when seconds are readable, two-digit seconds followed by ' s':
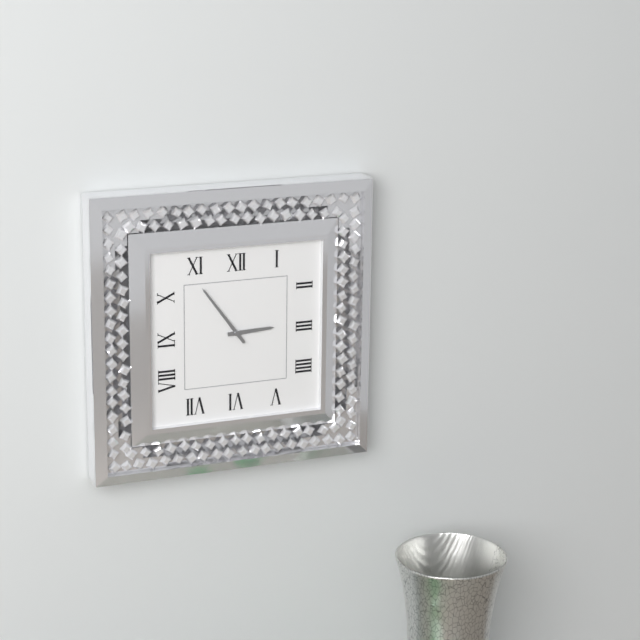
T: 2 h 54 min
